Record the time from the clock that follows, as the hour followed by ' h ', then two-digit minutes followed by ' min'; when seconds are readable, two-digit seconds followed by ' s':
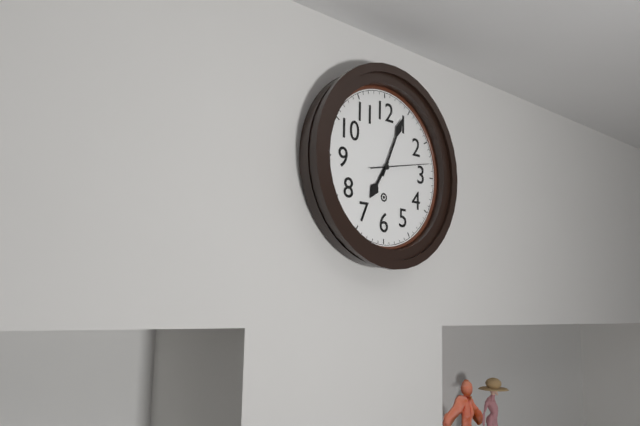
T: 7 h 04 min 13 s
